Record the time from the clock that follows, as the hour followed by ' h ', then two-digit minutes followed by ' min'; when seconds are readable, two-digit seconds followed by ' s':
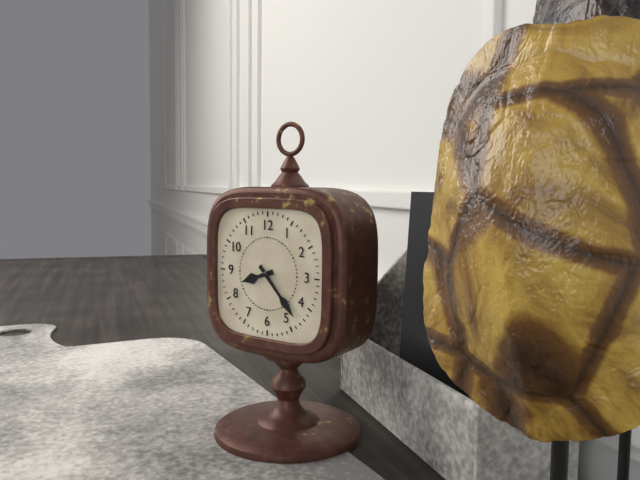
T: 8 h 23 min
